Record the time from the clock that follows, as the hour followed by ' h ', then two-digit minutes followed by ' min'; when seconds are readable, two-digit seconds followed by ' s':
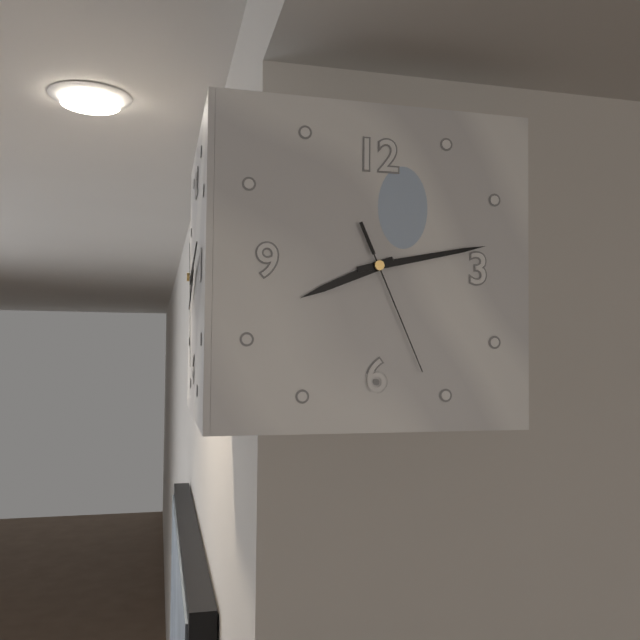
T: 8 h 13 min 26 s
